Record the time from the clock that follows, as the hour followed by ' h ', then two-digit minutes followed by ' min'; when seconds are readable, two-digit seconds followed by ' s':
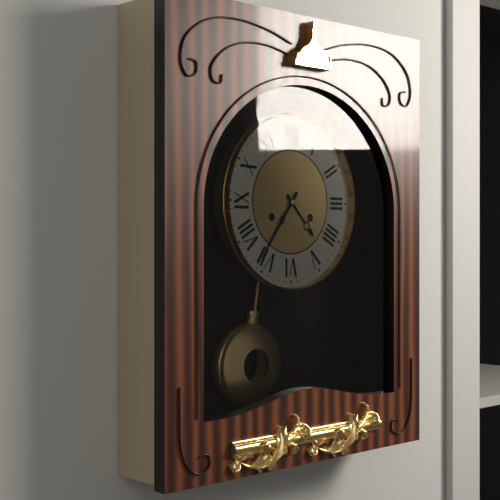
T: 4 h 36 min
